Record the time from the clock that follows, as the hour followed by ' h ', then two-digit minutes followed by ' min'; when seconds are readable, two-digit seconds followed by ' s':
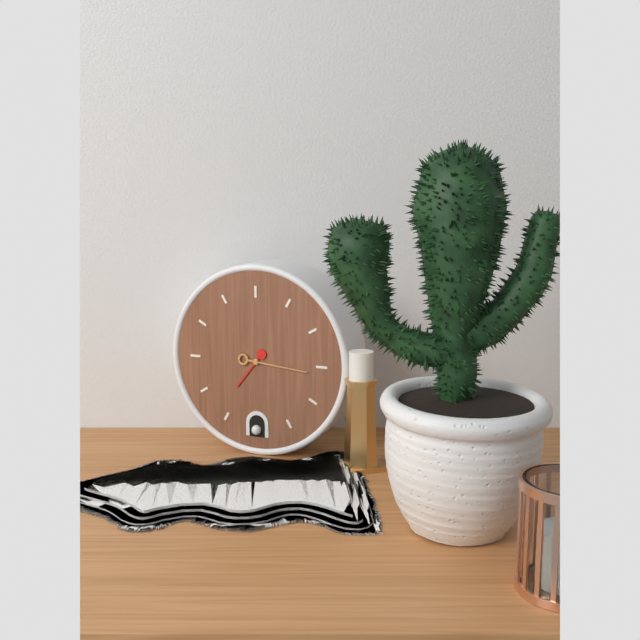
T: 7 h 16 min
